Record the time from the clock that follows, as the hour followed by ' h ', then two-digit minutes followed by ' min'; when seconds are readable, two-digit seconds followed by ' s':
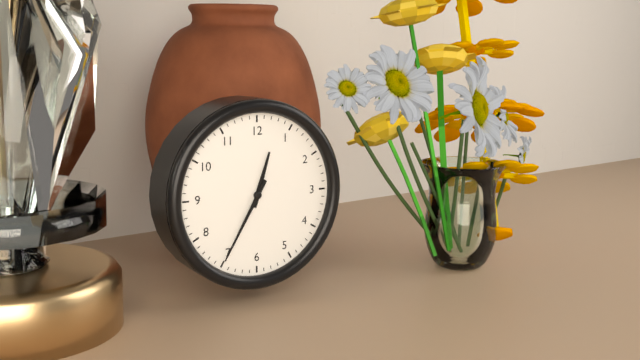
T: 12 h 35 min
